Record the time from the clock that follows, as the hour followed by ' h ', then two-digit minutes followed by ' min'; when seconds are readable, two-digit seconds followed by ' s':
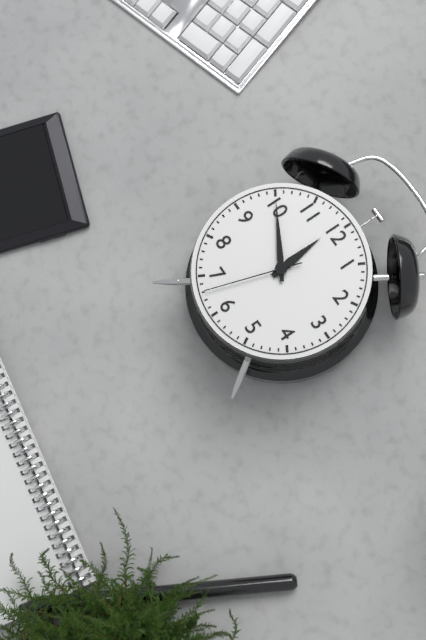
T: 11 h 50 min 33 s
